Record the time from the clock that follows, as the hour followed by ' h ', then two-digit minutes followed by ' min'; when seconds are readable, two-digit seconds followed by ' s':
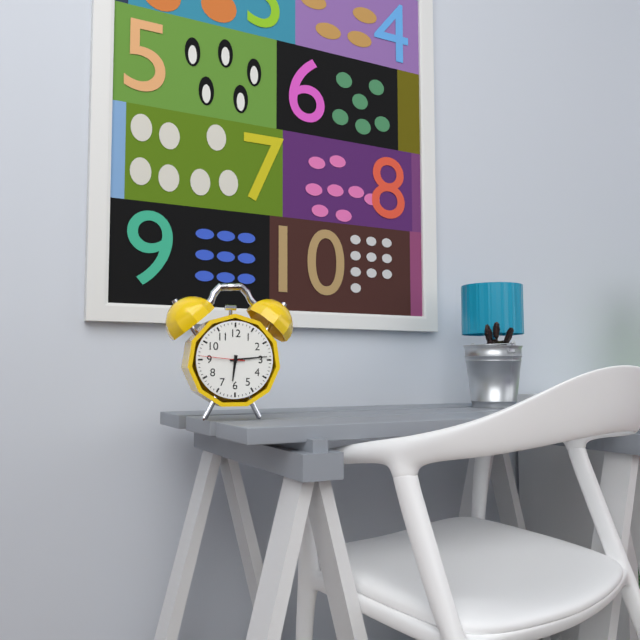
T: 6 h 14 min
